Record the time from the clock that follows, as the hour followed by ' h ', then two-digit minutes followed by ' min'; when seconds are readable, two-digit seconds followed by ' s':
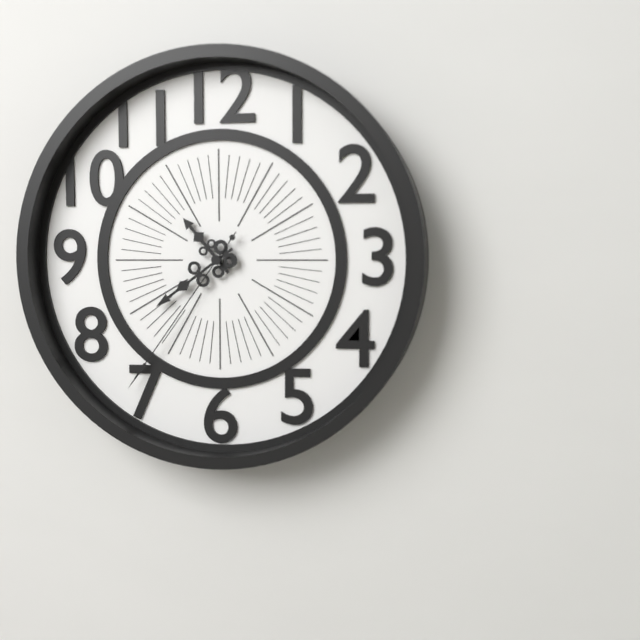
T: 10 h 39 min 36 s
